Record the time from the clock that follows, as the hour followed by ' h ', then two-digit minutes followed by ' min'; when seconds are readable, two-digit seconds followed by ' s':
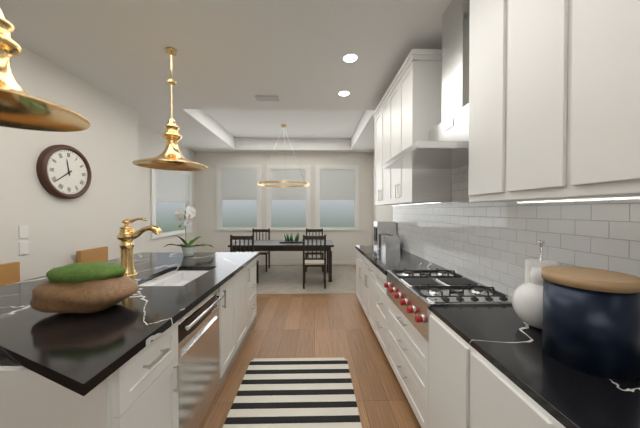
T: 11 h 39 min
